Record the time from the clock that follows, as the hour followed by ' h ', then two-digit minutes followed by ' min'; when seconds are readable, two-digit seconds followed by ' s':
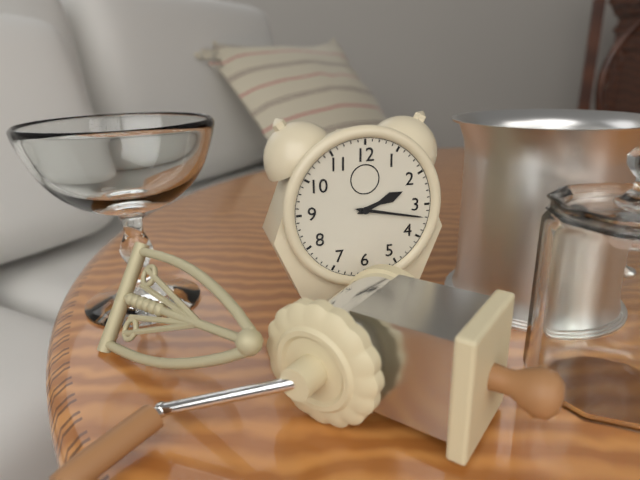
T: 2 h 17 min
